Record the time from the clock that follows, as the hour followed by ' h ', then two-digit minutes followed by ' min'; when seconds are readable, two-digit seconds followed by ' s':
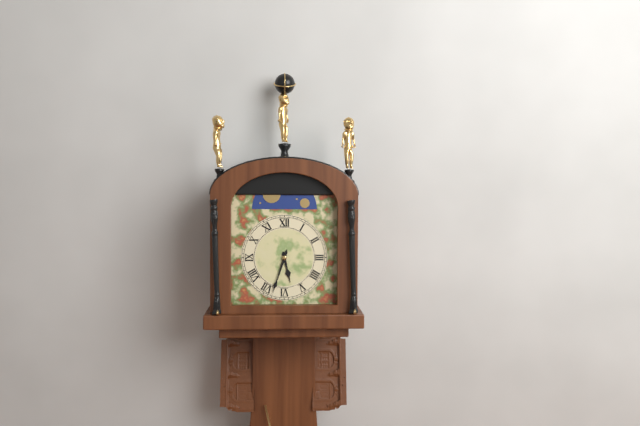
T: 5 h 33 min
